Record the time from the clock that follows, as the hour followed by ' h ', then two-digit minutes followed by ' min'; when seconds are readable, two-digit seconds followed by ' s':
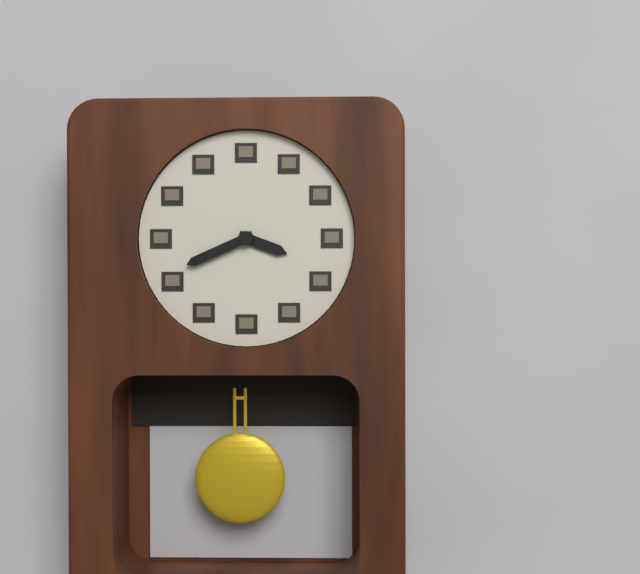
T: 3 h 41 min
